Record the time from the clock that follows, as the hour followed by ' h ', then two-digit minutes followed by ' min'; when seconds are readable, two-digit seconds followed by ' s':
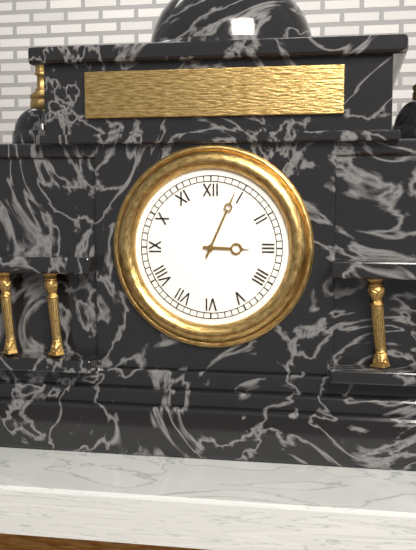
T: 3 h 04 min
